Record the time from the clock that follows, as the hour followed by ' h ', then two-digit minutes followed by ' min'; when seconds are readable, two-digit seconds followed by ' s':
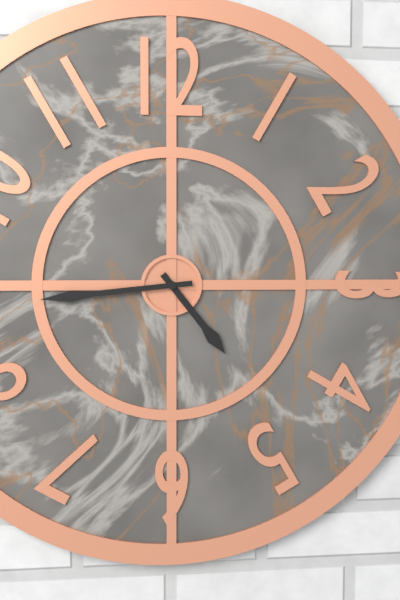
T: 4 h 44 min
